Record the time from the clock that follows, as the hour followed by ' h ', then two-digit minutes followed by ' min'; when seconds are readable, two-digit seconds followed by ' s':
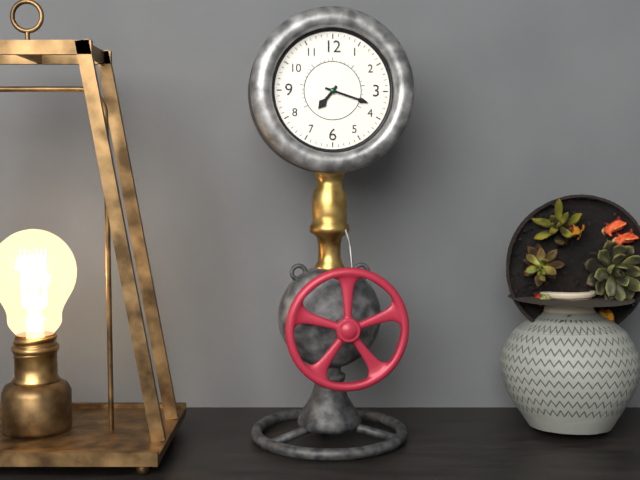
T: 7 h 18 min
